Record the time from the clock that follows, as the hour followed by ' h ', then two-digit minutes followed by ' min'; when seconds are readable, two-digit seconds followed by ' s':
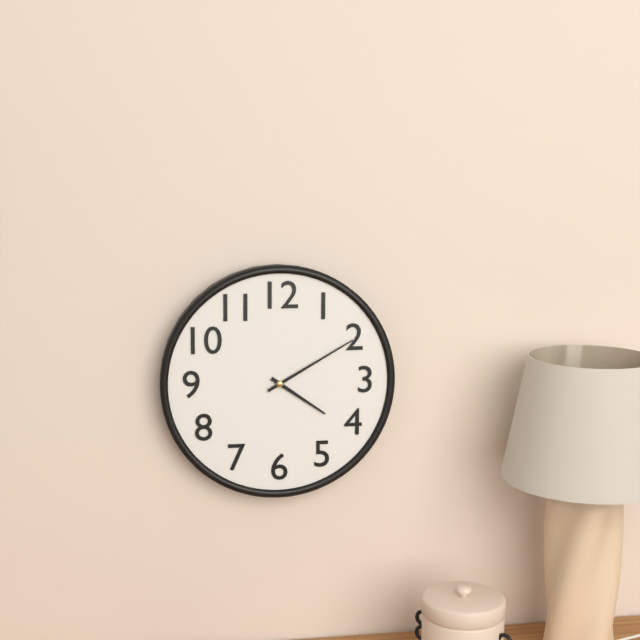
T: 4 h 10 min
